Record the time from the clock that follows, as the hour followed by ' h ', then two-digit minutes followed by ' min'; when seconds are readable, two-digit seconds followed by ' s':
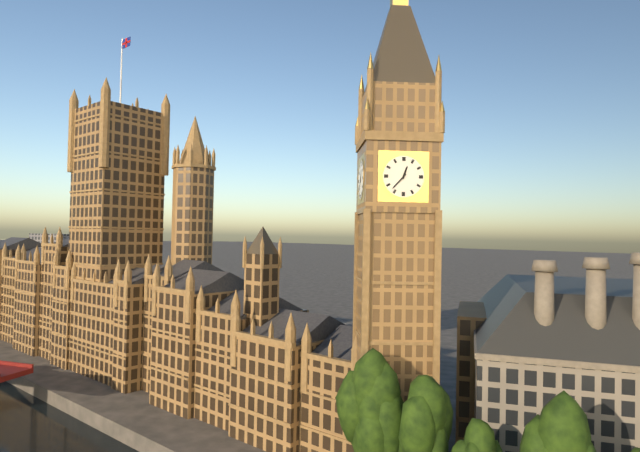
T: 12 h 37 min
